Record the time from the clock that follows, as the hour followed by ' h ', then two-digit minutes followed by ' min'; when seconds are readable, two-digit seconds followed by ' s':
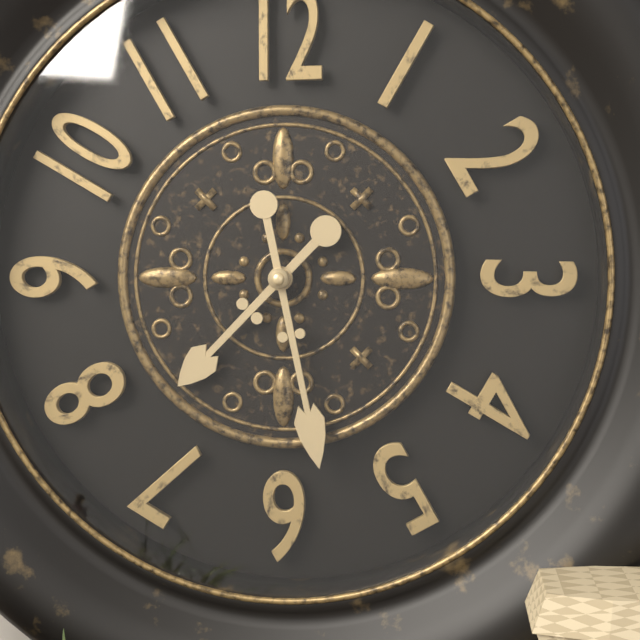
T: 7 h 28 min
